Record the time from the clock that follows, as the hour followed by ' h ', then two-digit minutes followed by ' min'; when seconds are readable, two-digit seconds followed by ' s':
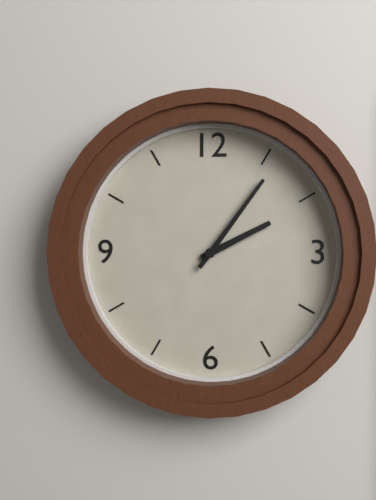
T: 2 h 06 min
